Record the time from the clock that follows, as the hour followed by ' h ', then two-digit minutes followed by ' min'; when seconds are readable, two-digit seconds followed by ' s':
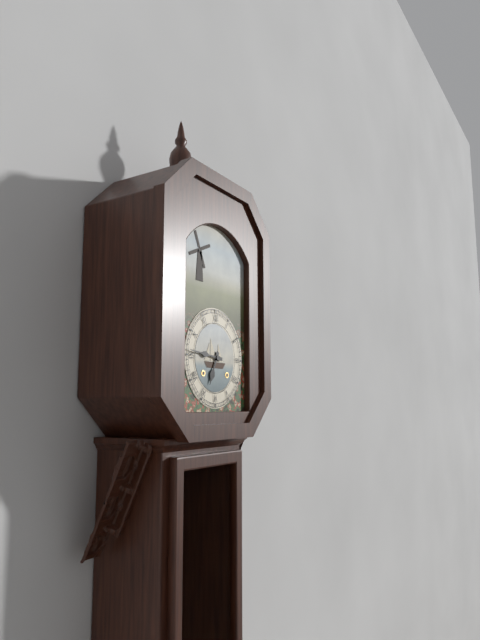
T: 6 h 46 min
